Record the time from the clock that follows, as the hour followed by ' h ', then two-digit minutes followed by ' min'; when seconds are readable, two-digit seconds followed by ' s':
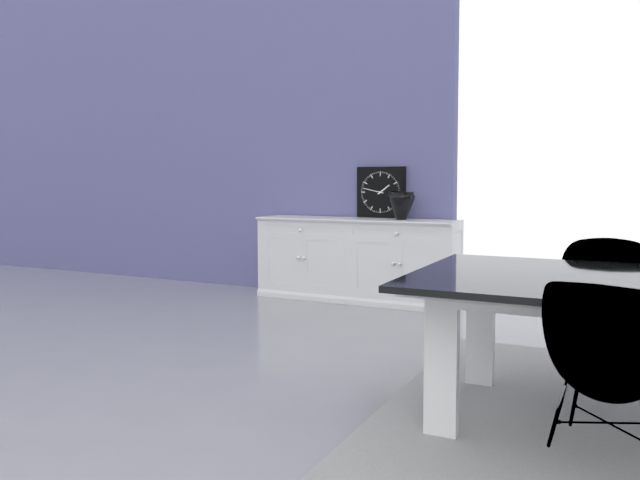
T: 1 h 47 min
